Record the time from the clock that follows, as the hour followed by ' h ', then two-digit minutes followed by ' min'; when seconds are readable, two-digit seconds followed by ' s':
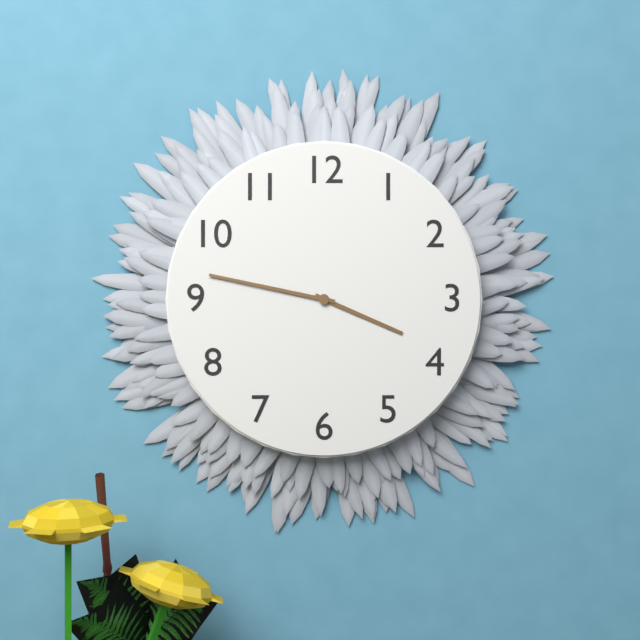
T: 3 h 47 min
